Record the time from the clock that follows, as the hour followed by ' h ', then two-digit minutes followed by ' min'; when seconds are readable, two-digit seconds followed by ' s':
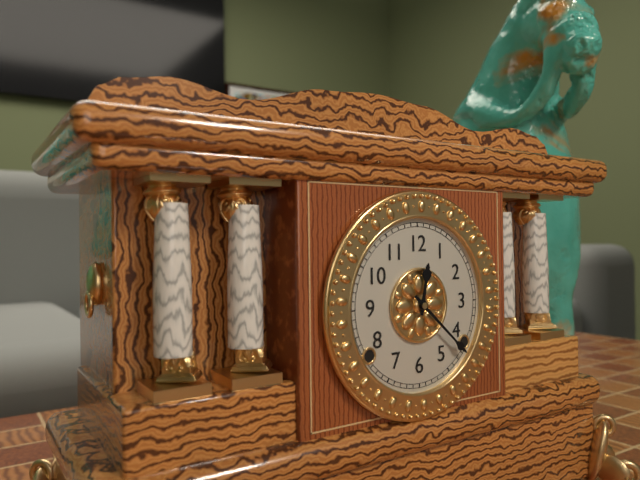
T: 12 h 22 min
